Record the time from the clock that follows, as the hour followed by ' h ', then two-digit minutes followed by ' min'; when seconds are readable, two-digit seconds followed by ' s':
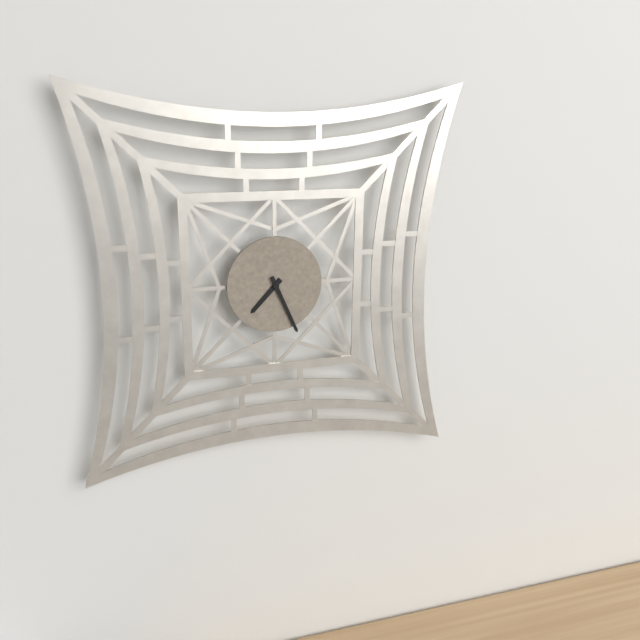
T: 7 h 26 min
